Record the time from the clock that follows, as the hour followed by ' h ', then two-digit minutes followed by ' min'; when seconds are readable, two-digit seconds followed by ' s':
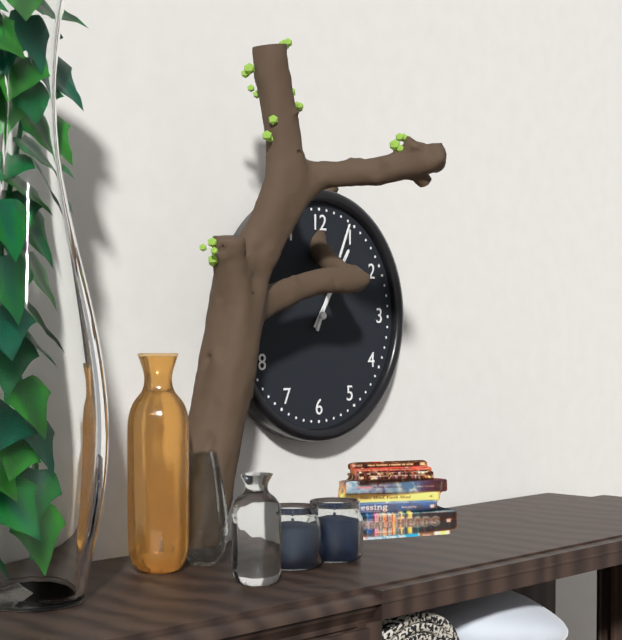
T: 1 h 04 min
